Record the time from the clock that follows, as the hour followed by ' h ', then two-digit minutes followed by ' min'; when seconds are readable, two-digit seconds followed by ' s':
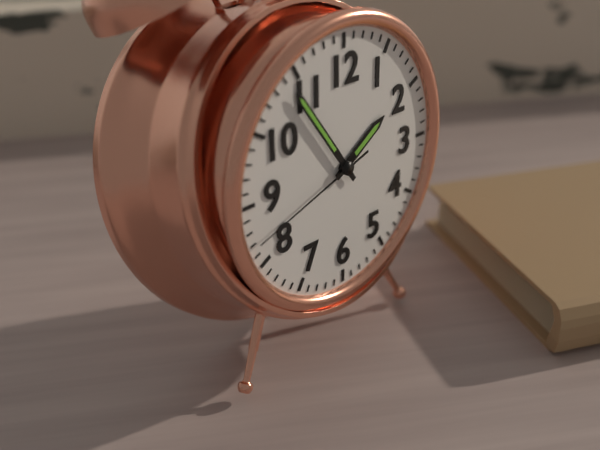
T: 1 h 54 min 42 s
